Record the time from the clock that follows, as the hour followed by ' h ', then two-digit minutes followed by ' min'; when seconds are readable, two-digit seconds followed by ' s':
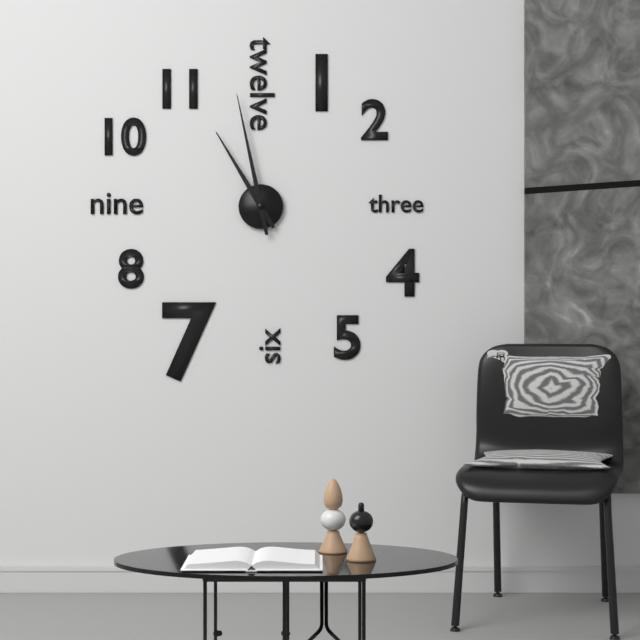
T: 10 h 58 min
